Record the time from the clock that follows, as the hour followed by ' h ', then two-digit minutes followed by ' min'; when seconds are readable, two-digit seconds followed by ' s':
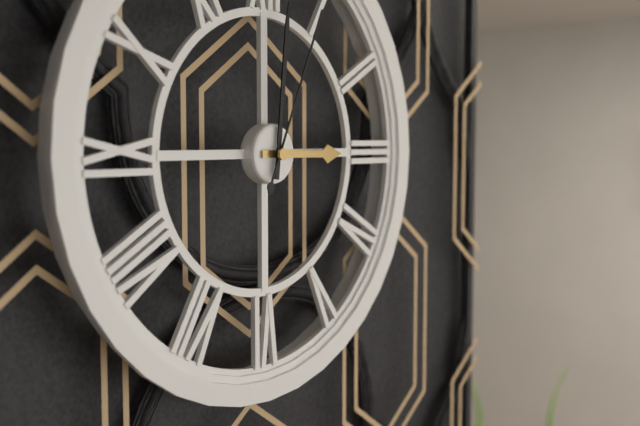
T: 3 h 01 min 04 s
